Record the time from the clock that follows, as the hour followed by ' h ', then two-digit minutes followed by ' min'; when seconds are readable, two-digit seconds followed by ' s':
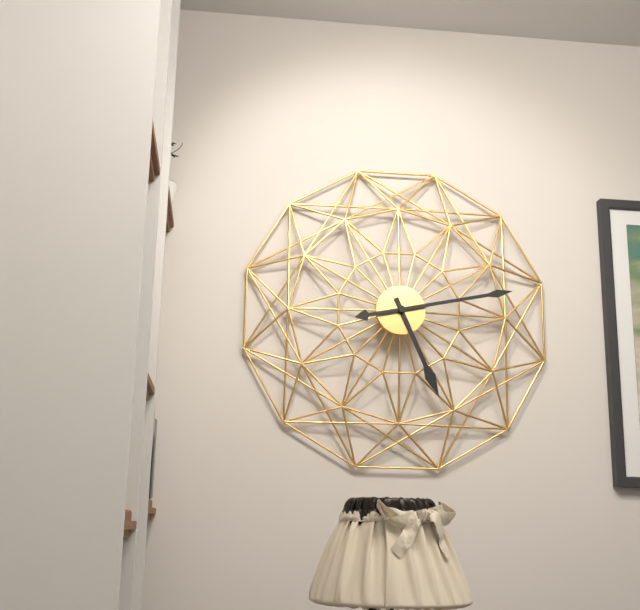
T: 5 h 13 min
